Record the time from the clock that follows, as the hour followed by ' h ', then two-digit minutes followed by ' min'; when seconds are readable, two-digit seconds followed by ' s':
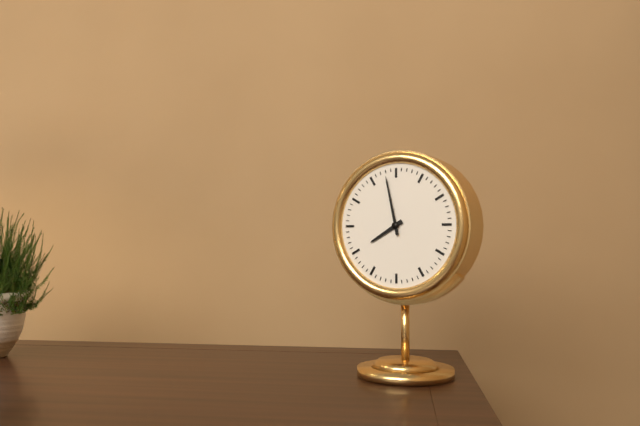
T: 7 h 58 min
